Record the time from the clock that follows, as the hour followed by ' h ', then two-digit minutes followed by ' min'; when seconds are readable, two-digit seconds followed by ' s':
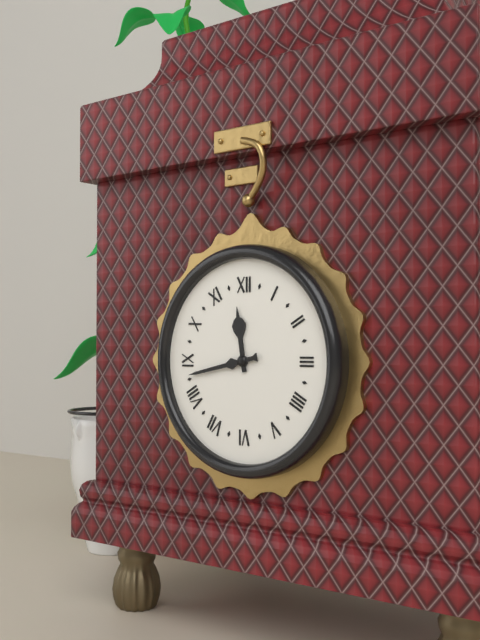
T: 11 h 43 min
